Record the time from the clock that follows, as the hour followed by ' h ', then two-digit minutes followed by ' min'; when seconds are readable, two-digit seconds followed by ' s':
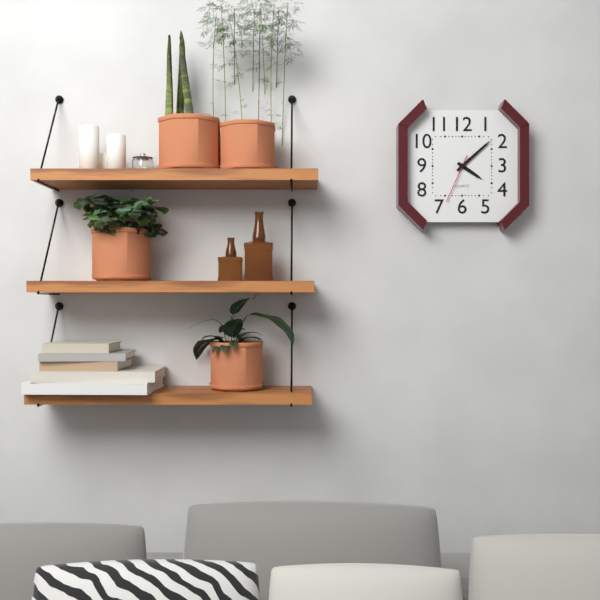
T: 4 h 08 min
